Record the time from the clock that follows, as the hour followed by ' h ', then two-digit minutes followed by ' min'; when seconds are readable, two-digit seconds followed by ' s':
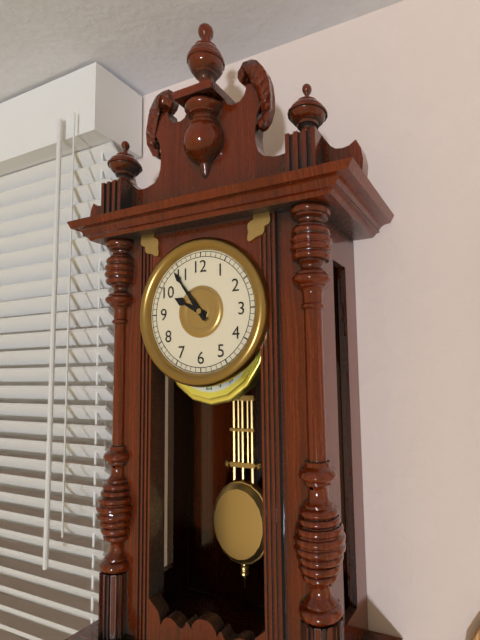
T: 9 h 54 min
